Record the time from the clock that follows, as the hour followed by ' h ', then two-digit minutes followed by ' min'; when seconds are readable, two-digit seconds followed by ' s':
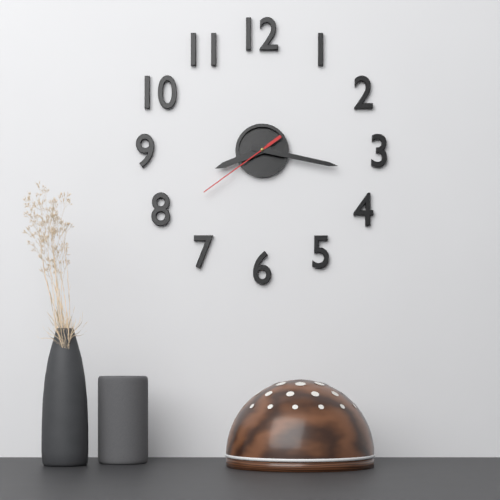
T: 8 h 17 min 39 s
